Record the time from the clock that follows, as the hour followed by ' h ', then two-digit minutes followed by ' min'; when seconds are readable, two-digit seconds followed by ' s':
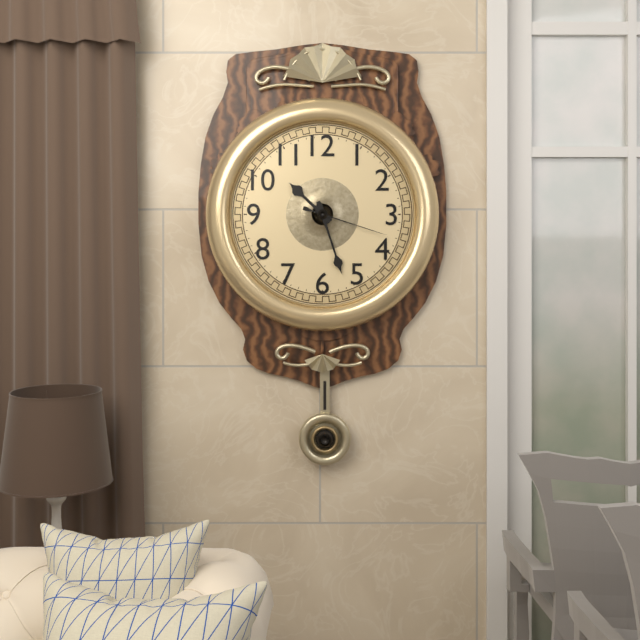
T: 10 h 27 min 18 s
